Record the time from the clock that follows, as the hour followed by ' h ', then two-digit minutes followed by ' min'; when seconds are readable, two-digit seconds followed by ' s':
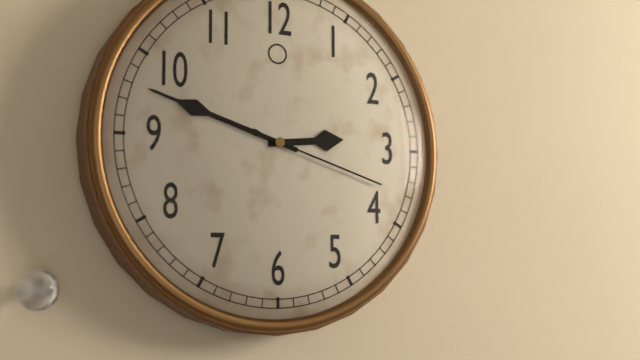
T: 2 h 48 min 18 s
